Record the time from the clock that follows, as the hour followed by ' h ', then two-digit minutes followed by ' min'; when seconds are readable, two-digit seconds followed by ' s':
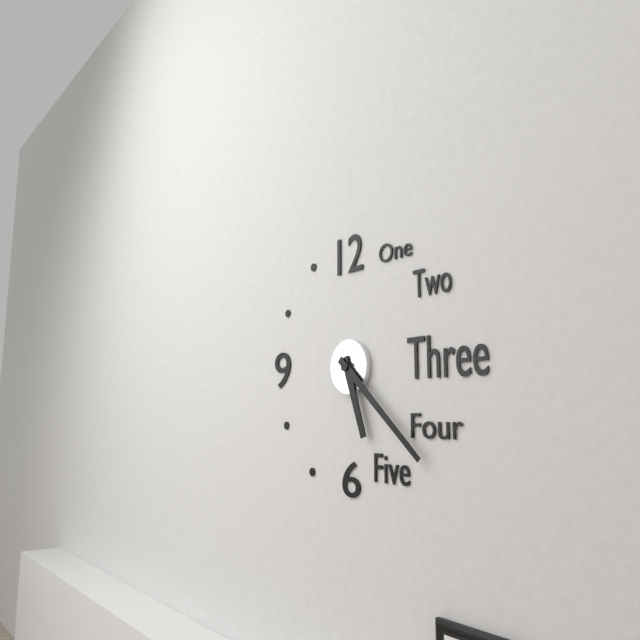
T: 5 h 22 min
